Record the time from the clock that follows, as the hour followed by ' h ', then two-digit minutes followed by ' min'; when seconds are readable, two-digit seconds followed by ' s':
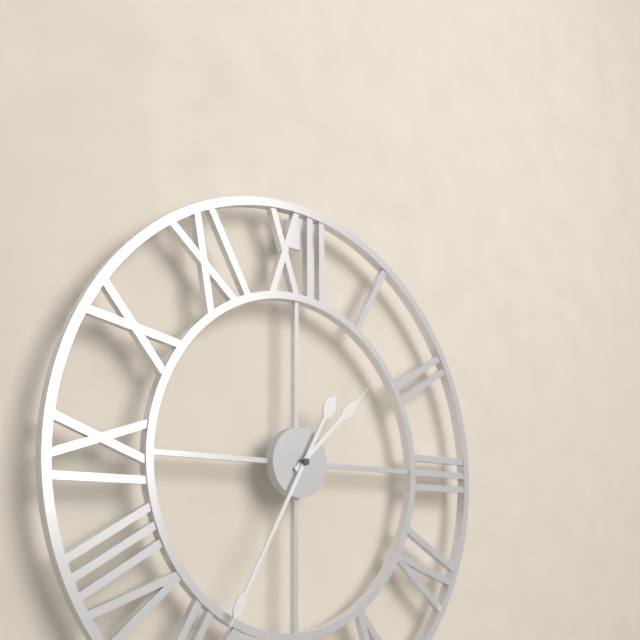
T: 1 h 35 min
